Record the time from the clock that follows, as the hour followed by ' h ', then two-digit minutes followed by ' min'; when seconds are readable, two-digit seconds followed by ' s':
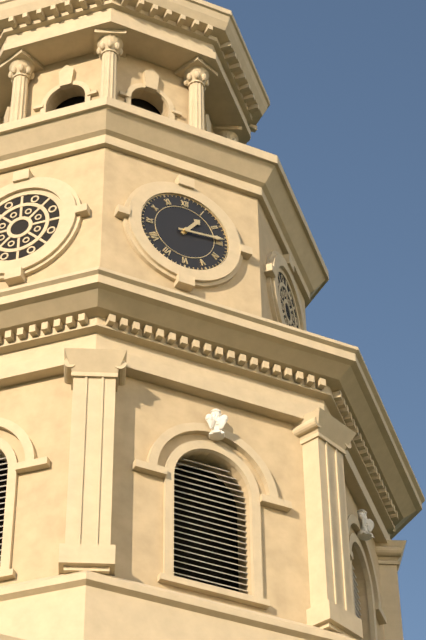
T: 1 h 14 min
